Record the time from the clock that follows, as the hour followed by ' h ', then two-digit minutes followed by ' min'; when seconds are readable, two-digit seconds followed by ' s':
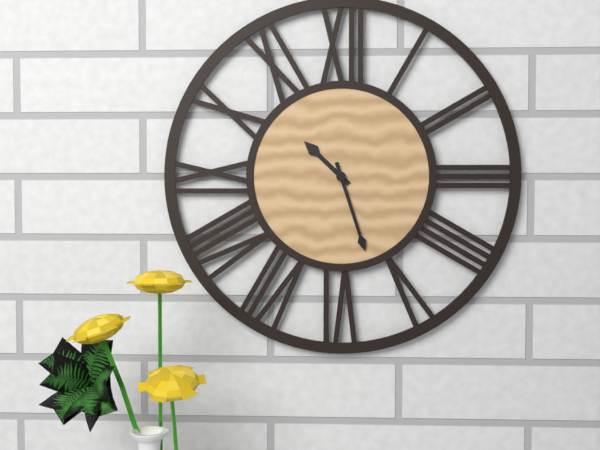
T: 10 h 27 min
